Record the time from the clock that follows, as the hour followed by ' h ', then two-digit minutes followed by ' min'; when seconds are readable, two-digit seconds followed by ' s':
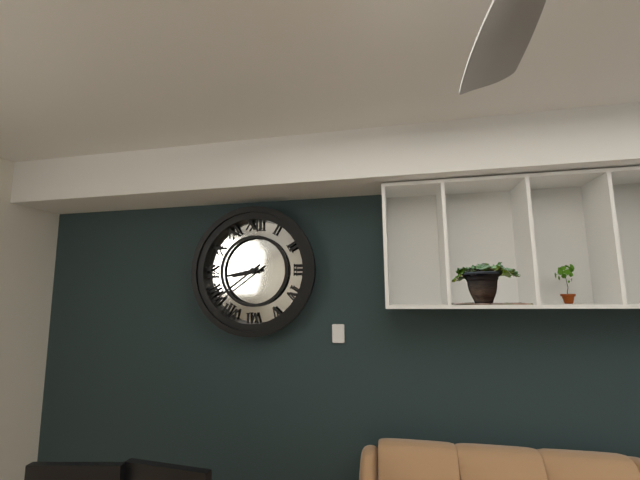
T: 8 h 39 min
